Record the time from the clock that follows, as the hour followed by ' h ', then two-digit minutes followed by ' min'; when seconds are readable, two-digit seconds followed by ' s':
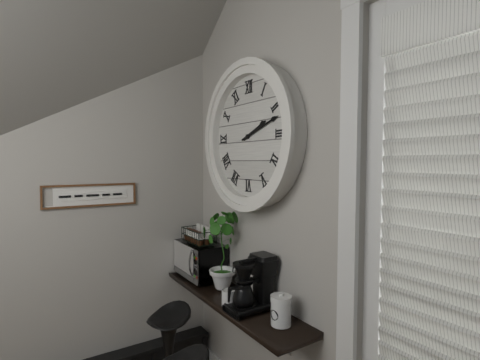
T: 2 h 12 min
